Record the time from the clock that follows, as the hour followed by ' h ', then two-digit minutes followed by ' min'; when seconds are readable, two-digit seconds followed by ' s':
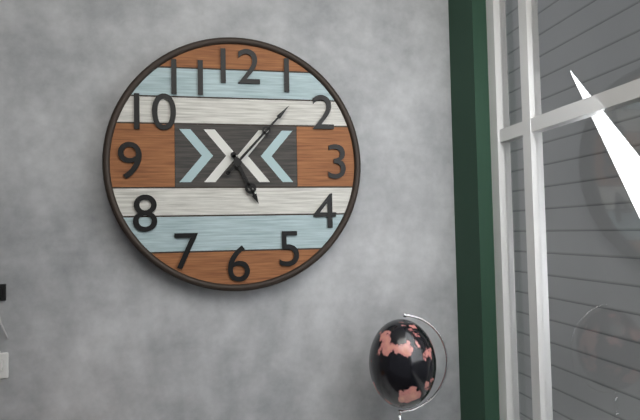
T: 5 h 07 min
